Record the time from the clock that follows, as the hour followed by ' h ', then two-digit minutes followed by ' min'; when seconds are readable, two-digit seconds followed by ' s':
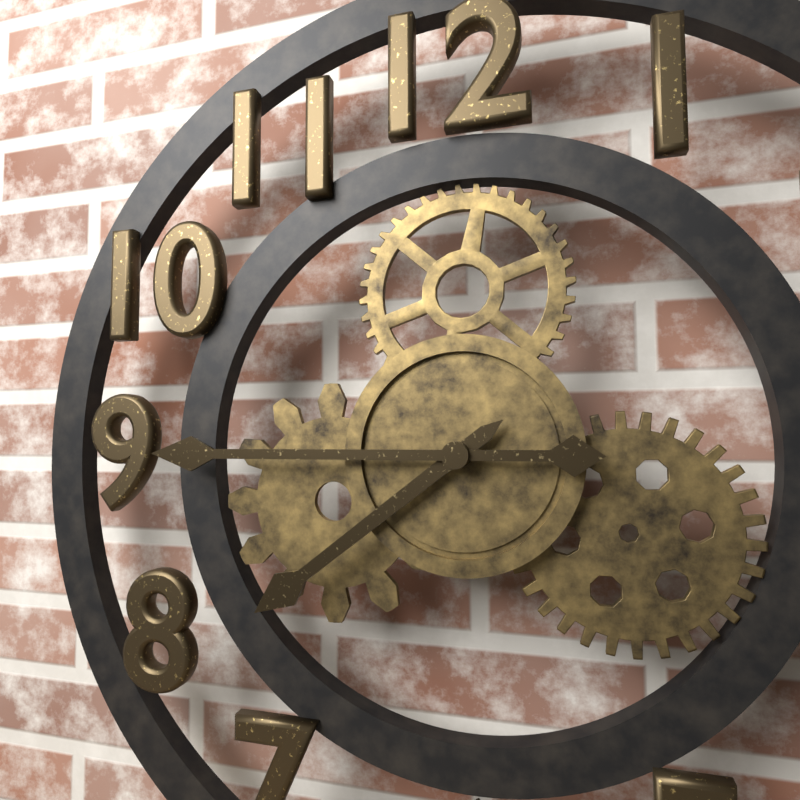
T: 7 h 45 min
